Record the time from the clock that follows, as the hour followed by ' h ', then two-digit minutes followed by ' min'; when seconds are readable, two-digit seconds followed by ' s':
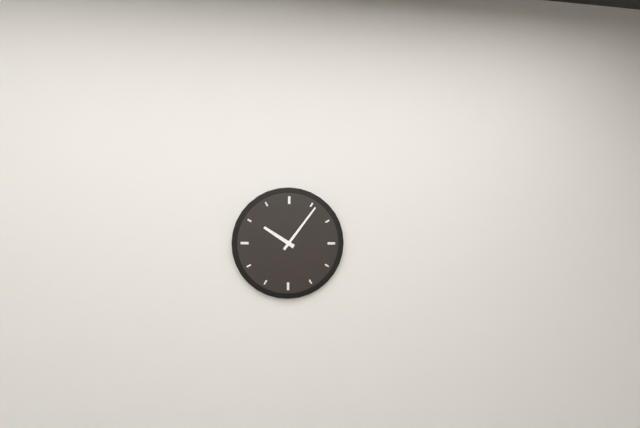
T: 10 h 06 min
